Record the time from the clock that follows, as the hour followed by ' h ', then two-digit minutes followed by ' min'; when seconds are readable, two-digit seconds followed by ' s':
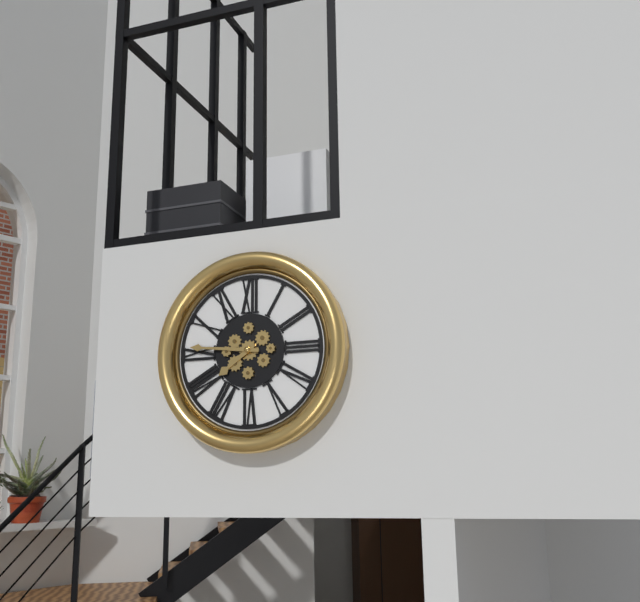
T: 7 h 46 min
